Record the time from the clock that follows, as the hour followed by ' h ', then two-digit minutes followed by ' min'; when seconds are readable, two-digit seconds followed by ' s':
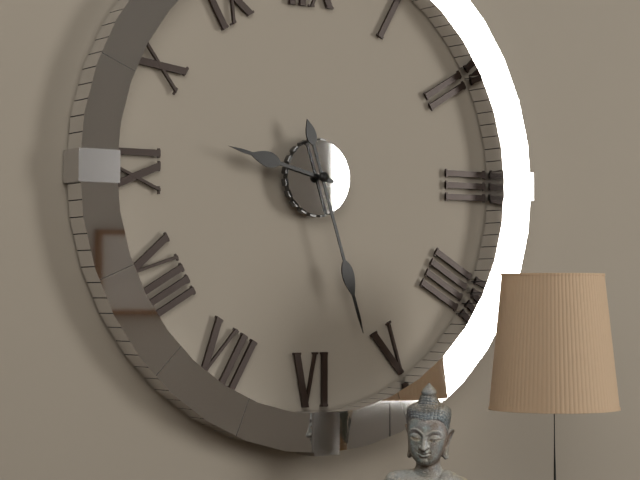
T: 9 h 27 min
